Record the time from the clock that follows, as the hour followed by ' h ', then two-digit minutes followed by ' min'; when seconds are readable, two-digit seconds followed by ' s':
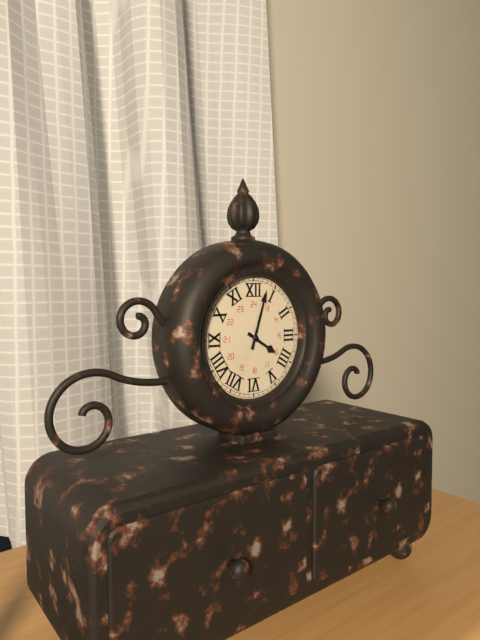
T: 4 h 03 min
